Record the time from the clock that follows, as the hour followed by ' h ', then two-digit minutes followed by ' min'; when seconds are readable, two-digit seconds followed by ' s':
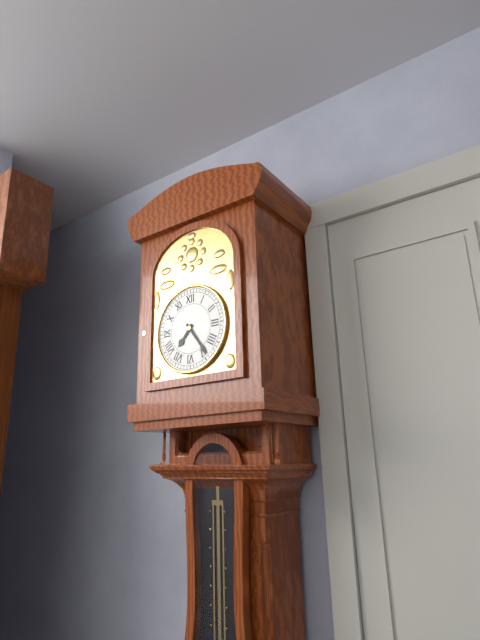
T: 7 h 24 min
